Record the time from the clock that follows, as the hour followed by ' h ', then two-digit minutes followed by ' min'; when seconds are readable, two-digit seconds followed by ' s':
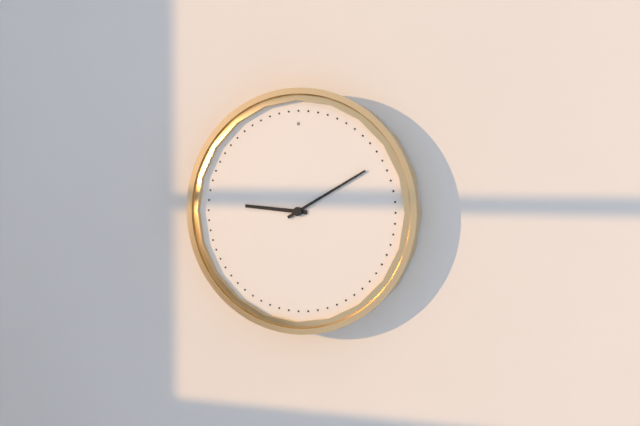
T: 9 h 10 min
